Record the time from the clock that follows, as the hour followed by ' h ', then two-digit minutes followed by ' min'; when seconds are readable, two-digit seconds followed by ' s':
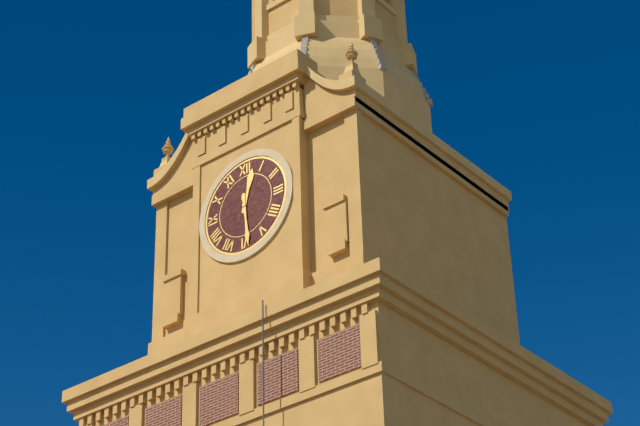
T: 12 h 29 min
